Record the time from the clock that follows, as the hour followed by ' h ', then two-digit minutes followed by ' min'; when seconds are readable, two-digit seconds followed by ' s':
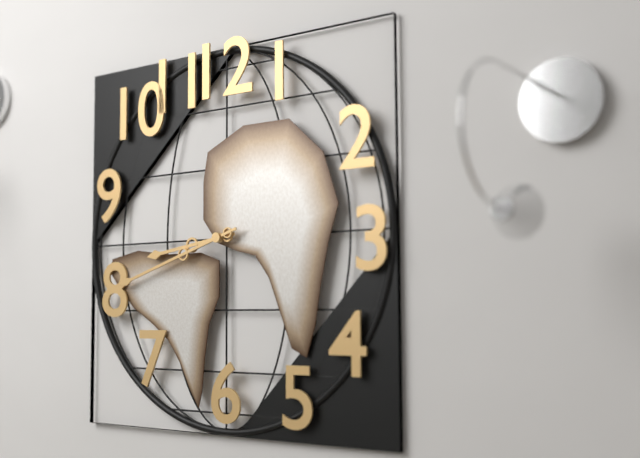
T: 8 h 42 min
